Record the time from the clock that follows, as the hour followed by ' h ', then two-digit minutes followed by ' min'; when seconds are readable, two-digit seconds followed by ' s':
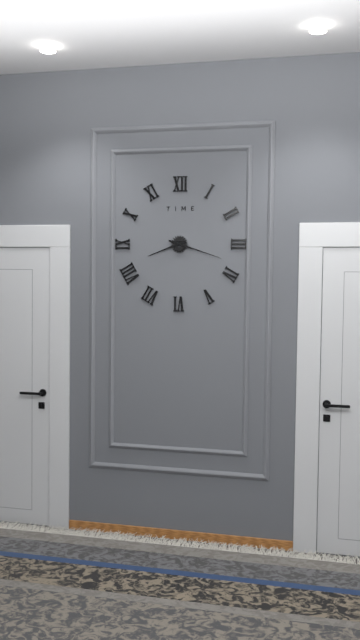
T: 8 h 18 min
